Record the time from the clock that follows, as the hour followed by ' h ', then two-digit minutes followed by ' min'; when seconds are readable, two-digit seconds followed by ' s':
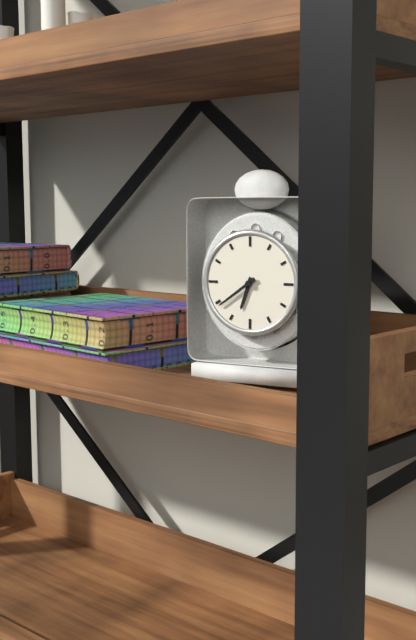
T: 6 h 39 min
